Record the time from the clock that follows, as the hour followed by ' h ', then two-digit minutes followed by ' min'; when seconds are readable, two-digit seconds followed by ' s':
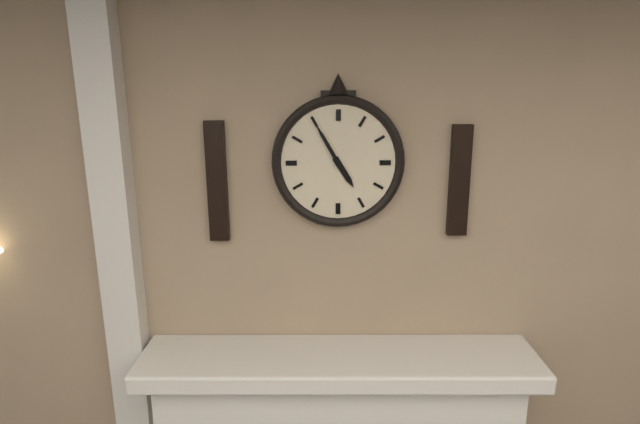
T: 4 h 55 min
